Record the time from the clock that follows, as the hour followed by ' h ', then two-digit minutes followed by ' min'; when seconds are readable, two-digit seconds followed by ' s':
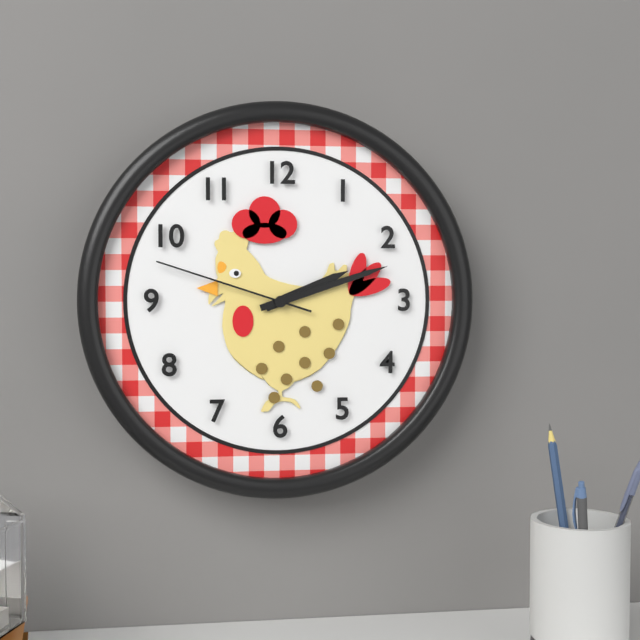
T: 2 h 12 min 48 s
